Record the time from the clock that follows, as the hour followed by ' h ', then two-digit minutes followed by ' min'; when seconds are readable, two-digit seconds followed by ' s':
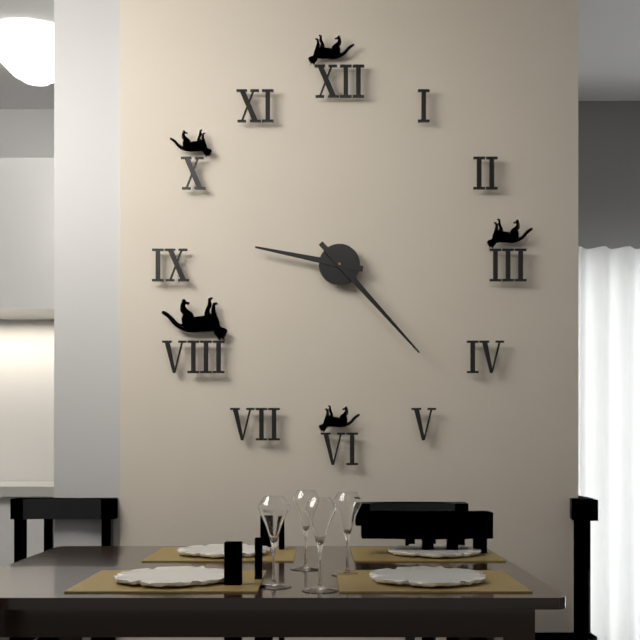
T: 9 h 23 min
